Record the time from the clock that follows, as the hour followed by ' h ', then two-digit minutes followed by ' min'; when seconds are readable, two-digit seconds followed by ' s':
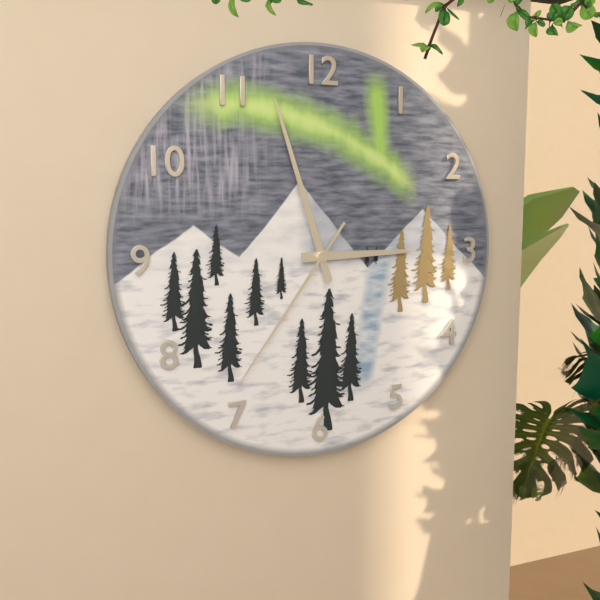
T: 2 h 57 min 36 s
